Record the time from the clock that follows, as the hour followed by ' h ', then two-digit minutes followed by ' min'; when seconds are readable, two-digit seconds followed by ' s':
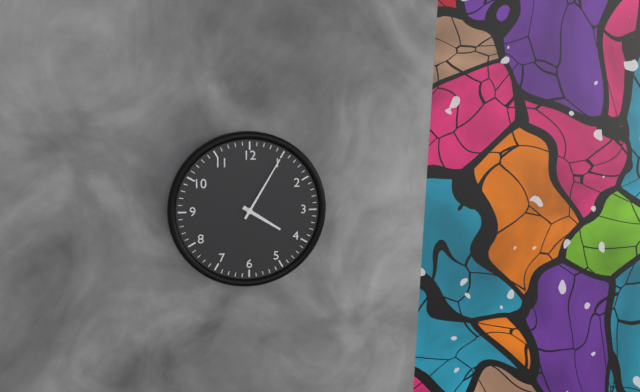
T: 4 h 05 min
